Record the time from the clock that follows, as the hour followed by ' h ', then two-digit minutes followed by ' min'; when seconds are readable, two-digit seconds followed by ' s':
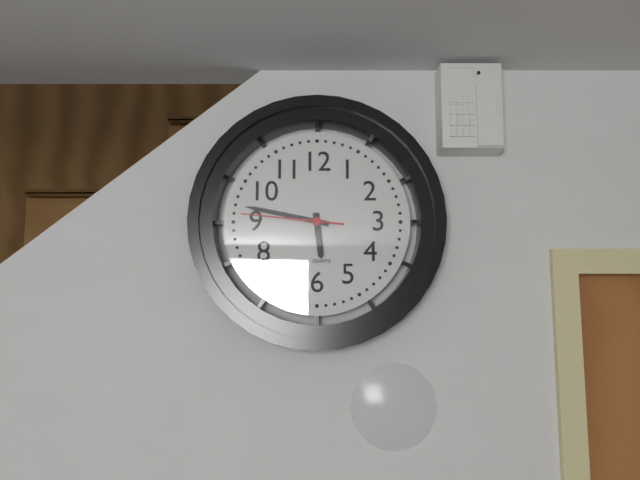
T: 5 h 47 min 46 s
